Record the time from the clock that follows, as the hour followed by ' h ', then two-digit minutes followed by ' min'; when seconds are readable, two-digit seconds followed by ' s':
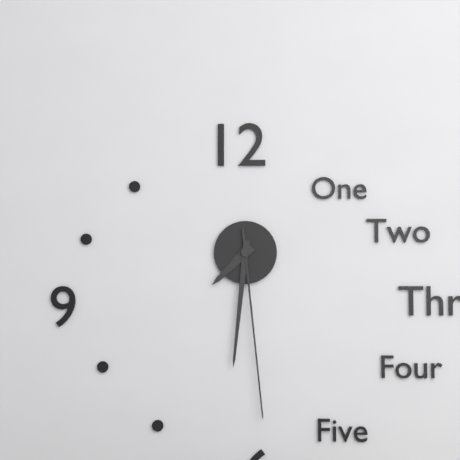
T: 7 h 31 min 29 s
